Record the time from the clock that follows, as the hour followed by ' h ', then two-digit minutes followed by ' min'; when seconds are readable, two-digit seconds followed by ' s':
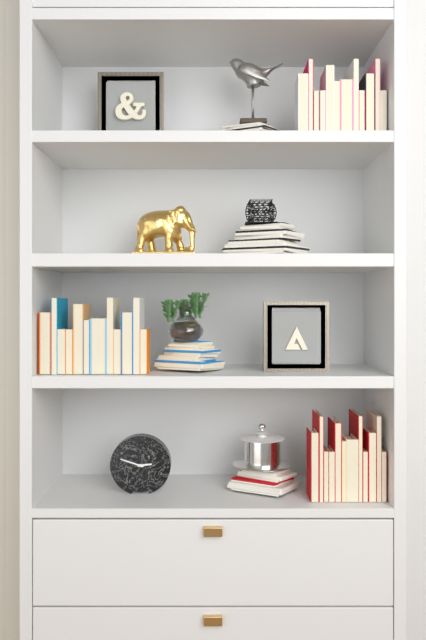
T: 2 h 48 min
